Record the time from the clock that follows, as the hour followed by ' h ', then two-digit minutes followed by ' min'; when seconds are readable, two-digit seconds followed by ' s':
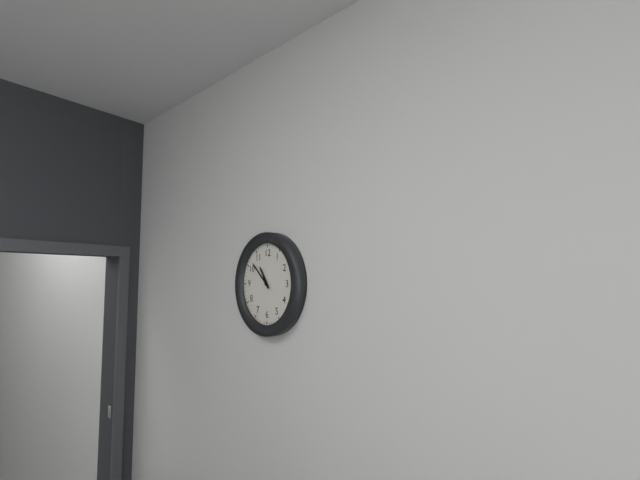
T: 10 h 52 min
